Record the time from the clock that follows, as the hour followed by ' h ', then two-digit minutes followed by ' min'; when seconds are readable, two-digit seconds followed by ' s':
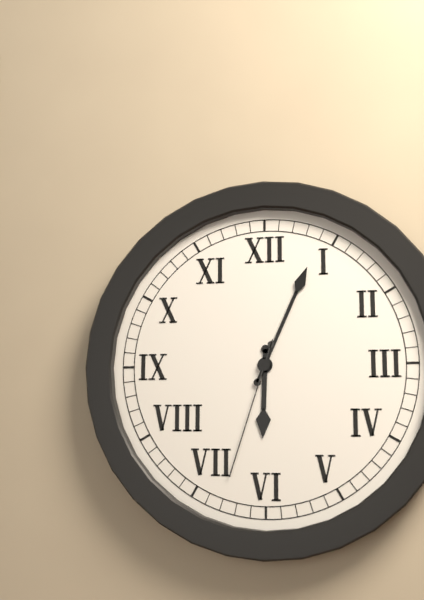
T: 6 h 04 min 33 s
